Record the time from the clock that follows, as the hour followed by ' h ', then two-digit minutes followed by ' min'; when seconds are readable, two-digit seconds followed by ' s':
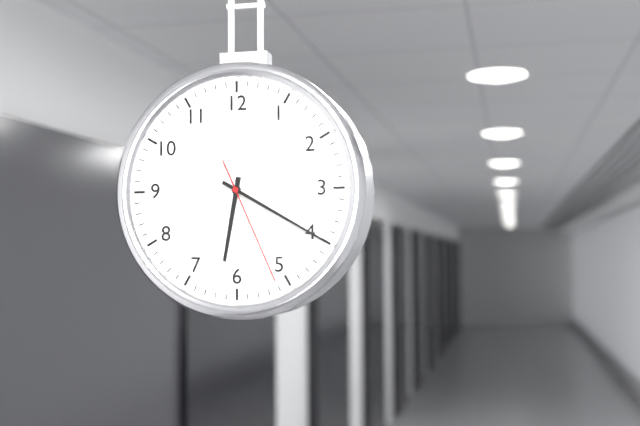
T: 6 h 20 min 26 s
